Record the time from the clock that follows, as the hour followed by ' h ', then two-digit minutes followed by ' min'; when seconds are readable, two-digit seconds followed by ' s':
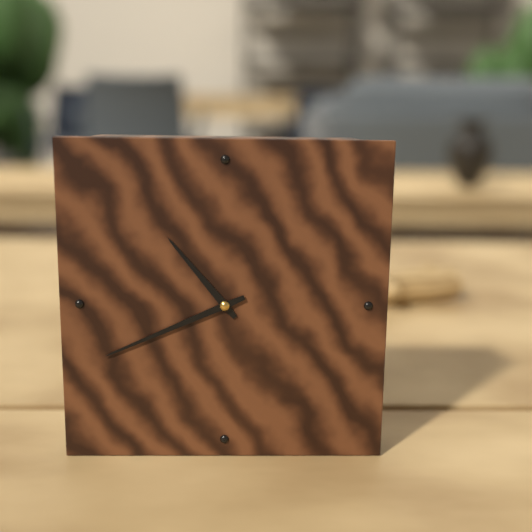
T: 10 h 41 min
